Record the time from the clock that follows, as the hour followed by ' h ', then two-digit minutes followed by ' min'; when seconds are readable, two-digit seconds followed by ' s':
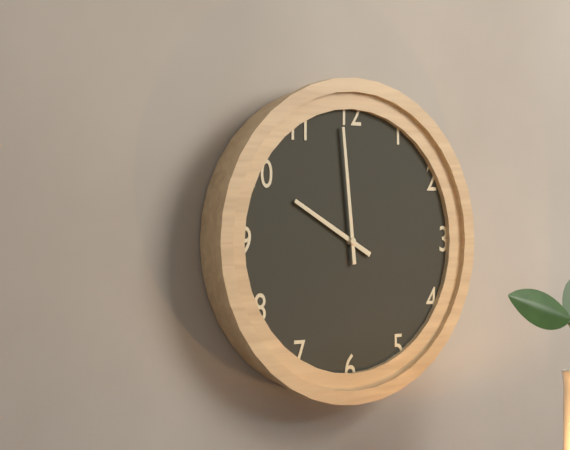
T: 9 h 59 min
